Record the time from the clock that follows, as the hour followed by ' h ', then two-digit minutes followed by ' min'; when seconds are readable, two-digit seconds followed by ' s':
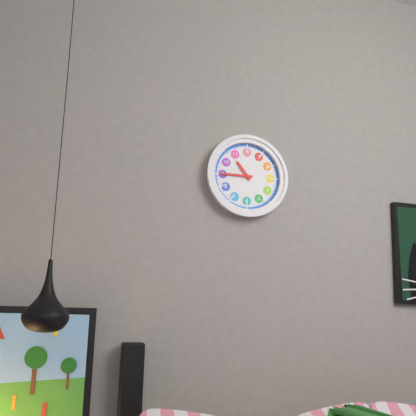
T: 10 h 45 min
